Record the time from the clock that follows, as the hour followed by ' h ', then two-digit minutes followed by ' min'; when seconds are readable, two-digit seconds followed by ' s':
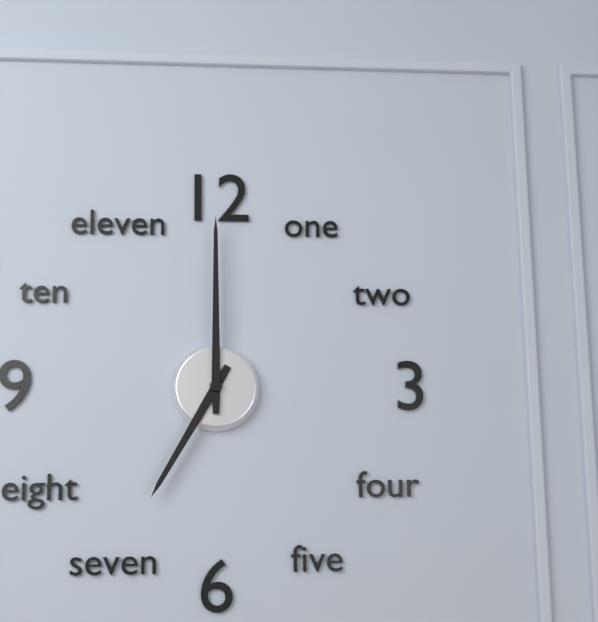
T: 7 h 00 min
